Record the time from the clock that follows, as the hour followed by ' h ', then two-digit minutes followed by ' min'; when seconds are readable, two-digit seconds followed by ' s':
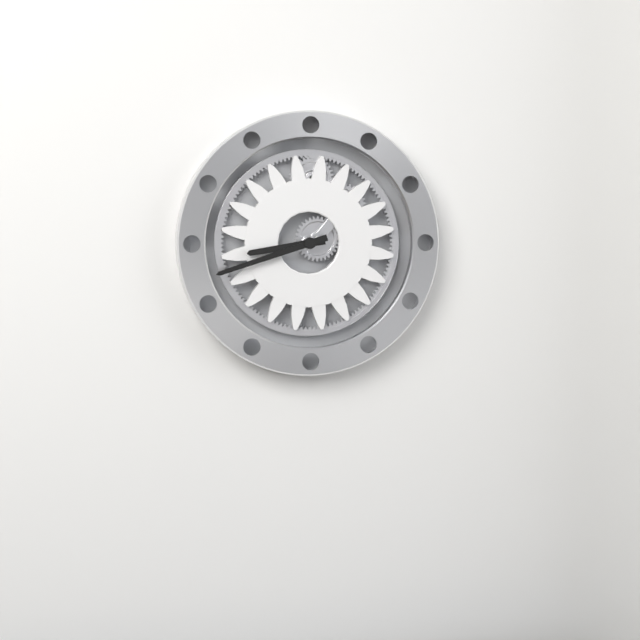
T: 8 h 42 min
